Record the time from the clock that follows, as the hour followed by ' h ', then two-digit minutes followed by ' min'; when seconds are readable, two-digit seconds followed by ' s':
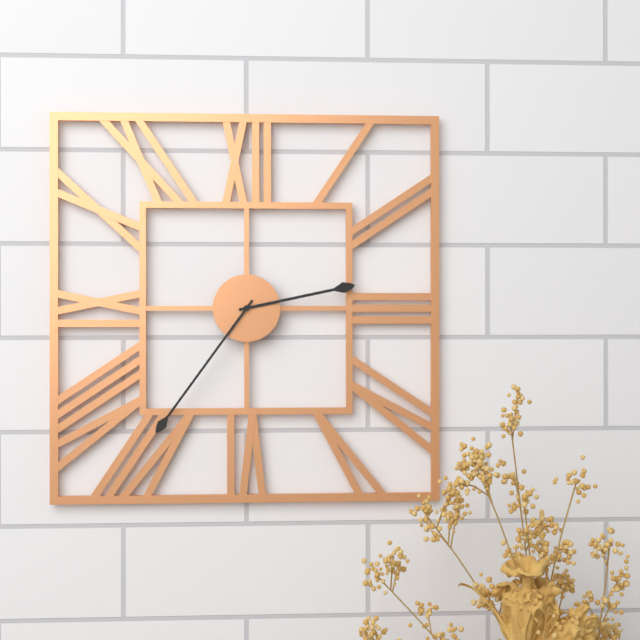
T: 2 h 36 min
